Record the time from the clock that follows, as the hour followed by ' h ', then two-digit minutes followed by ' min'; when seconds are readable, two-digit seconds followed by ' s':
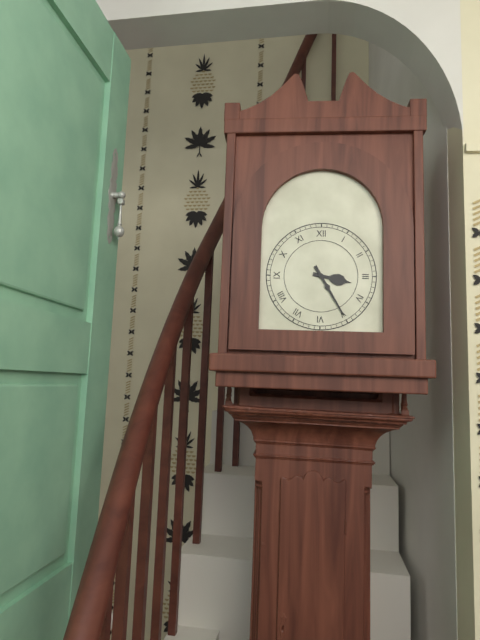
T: 3 h 25 min
